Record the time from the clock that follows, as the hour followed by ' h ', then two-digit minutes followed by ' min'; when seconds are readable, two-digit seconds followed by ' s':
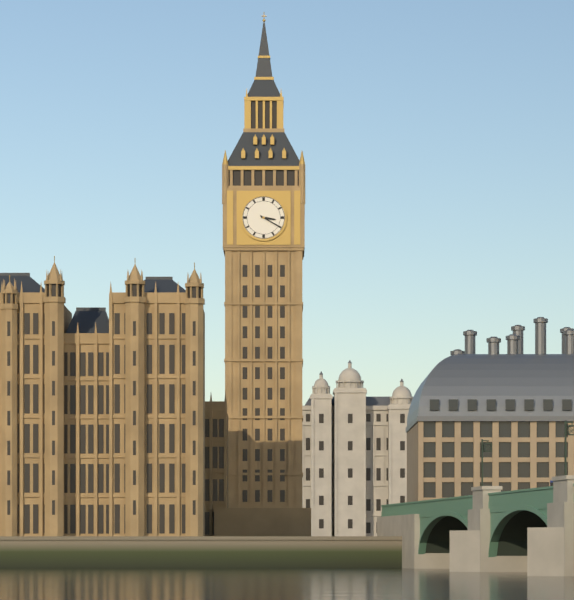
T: 3 h 20 min
